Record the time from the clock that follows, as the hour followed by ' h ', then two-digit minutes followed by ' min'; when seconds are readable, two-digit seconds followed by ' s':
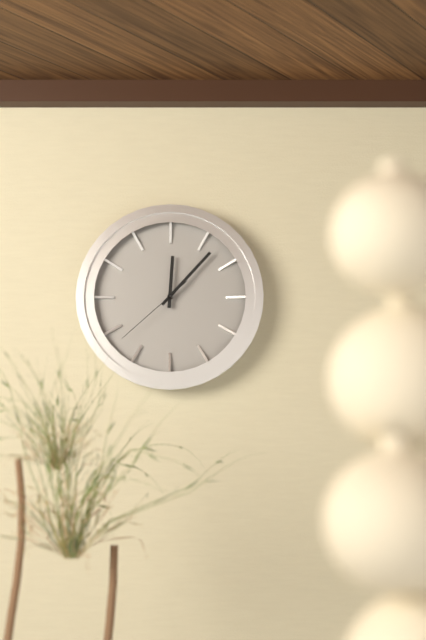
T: 12 h 07 min 38 s
